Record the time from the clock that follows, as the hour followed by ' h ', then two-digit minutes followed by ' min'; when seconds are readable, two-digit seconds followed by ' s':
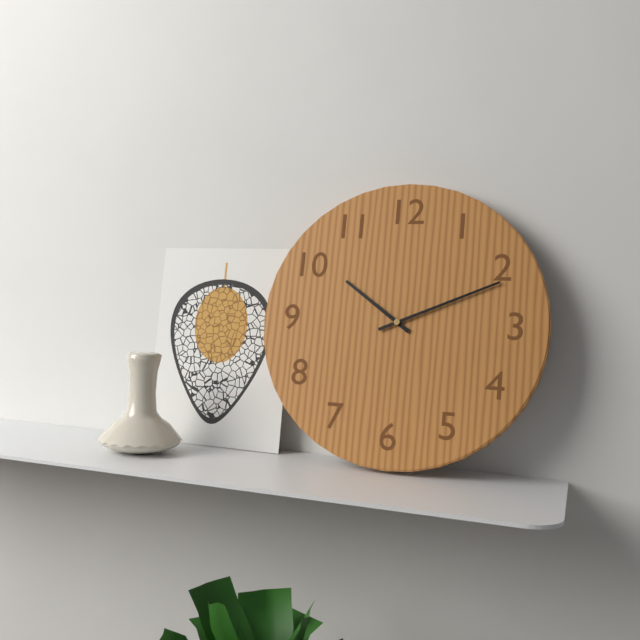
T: 10 h 11 min
